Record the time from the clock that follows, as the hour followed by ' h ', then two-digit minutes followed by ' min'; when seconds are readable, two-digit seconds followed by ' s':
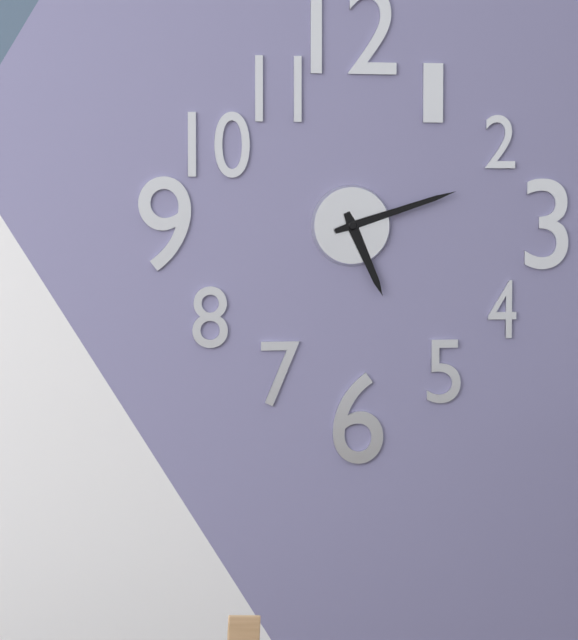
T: 5 h 12 min
